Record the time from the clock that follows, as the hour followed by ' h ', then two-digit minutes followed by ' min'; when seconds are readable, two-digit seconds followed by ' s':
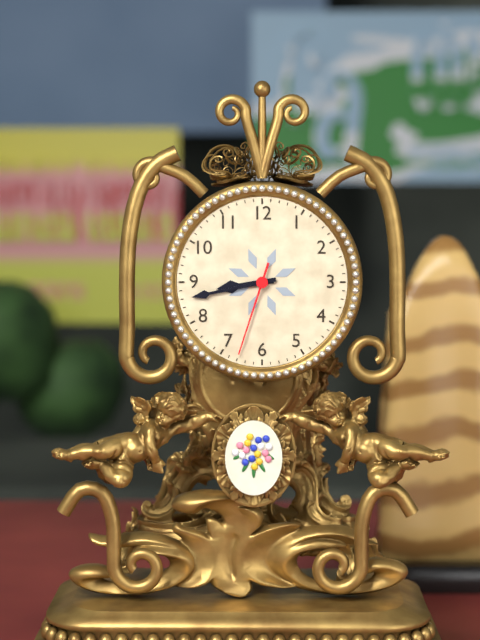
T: 8 h 43 min 33 s
